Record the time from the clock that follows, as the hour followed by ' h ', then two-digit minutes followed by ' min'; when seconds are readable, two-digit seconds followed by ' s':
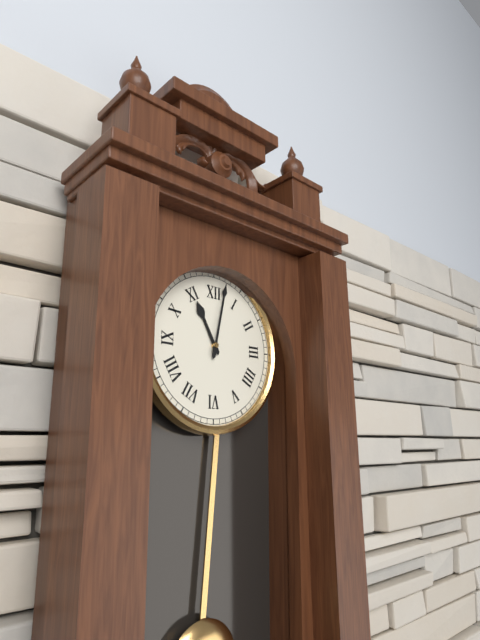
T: 11 h 02 min
